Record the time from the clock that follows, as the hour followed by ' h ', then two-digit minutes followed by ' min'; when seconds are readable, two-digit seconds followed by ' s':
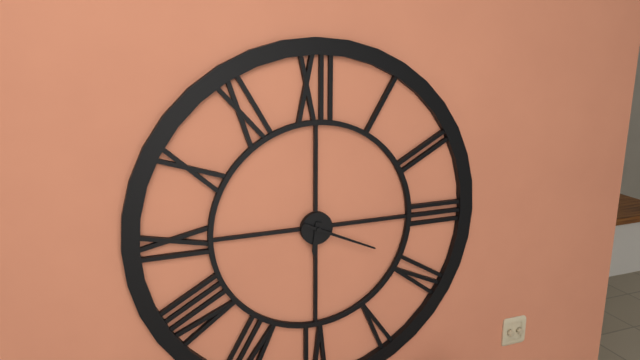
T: 6 h 19 min
